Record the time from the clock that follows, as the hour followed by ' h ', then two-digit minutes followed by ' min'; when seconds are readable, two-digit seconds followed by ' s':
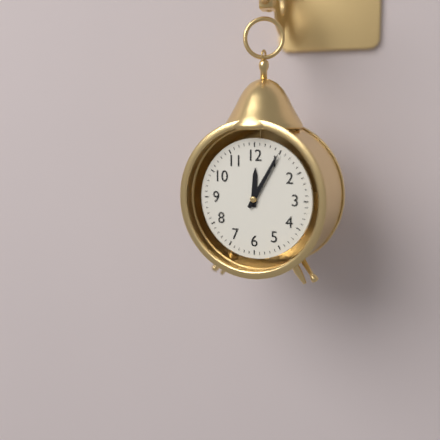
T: 12 h 05 min
